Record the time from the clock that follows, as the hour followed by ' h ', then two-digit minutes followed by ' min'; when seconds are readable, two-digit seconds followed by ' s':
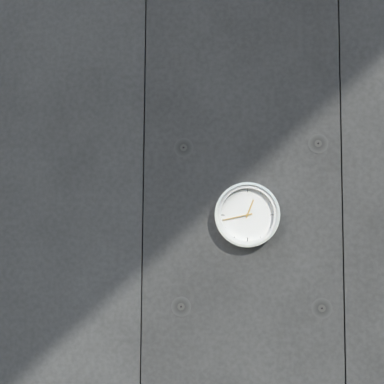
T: 12 h 43 min
